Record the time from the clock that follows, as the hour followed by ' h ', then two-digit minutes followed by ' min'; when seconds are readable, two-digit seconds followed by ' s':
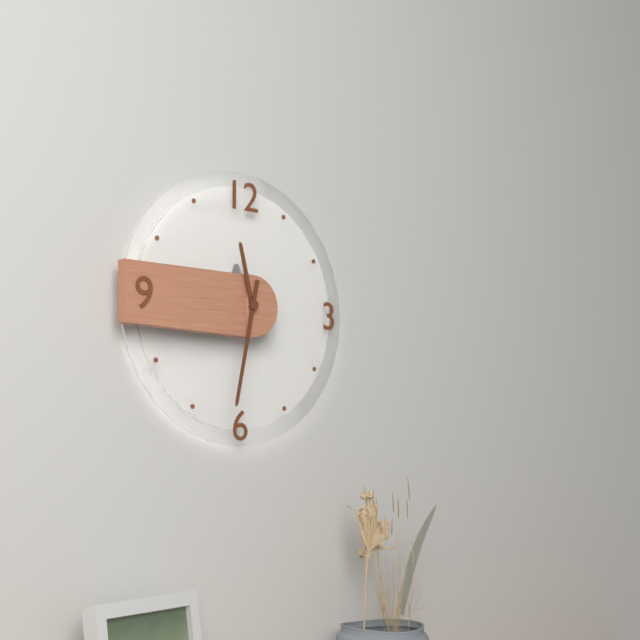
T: 11 h 32 min
